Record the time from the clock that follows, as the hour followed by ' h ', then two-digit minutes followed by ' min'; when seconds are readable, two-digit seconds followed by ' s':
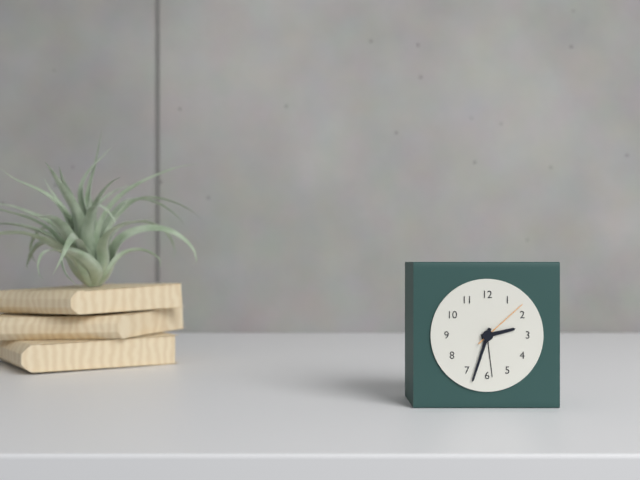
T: 2 h 33 min 08 s
